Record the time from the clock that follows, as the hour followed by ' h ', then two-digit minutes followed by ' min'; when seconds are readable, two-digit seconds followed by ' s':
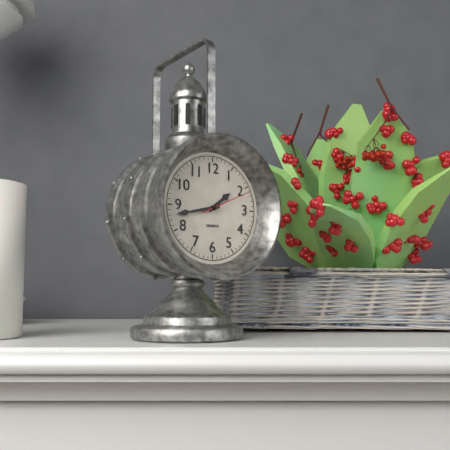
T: 1 h 43 min
